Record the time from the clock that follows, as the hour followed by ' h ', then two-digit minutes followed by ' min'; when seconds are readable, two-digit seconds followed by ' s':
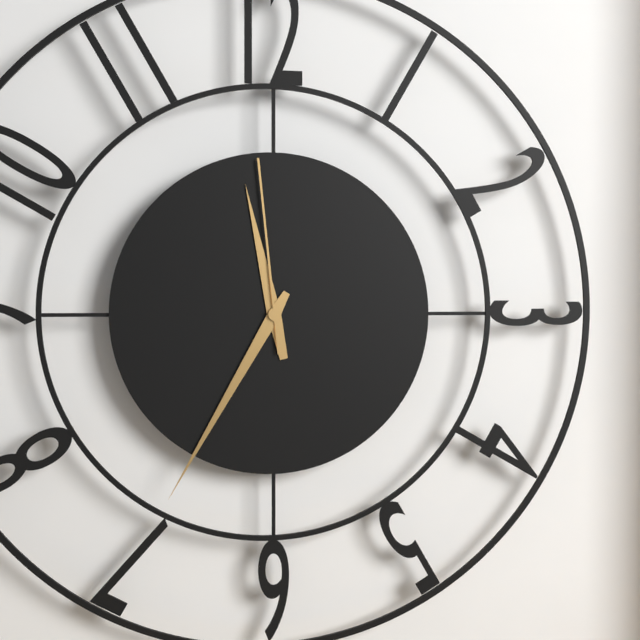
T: 11 h 35 min 59 s
